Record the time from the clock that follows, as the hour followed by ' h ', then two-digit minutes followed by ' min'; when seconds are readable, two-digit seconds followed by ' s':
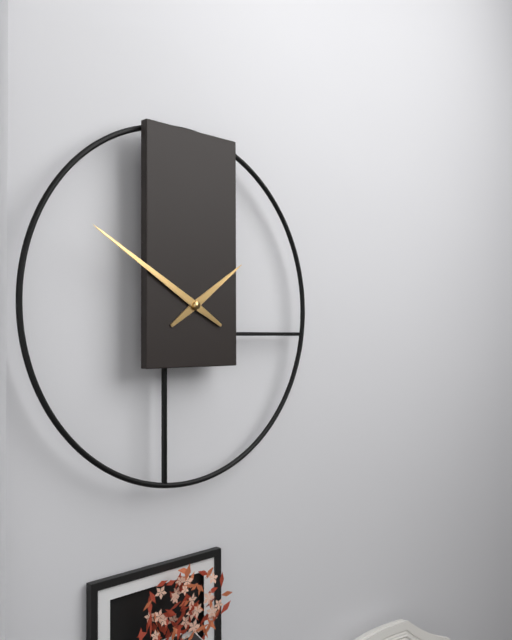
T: 1 h 50 min
